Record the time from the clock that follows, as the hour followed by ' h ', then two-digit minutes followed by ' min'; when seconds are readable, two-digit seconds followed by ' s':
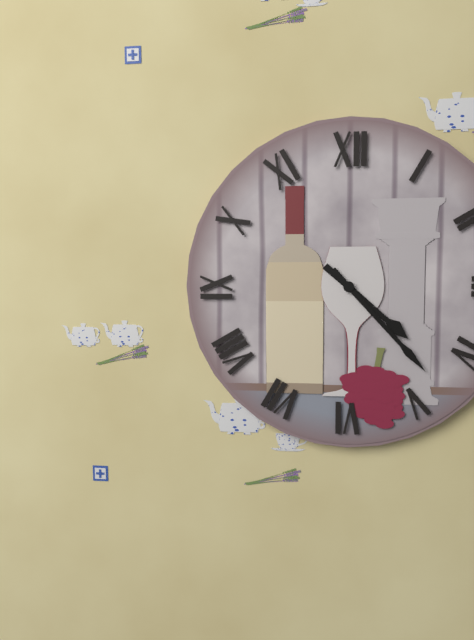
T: 4 h 23 min
